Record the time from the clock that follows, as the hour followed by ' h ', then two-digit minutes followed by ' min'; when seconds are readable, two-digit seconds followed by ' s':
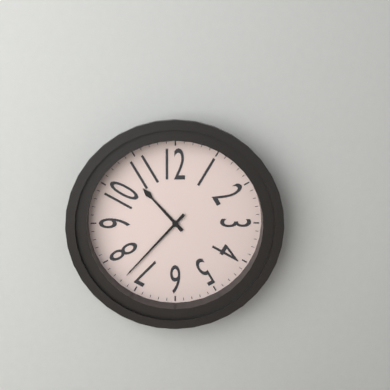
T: 10 h 37 min
